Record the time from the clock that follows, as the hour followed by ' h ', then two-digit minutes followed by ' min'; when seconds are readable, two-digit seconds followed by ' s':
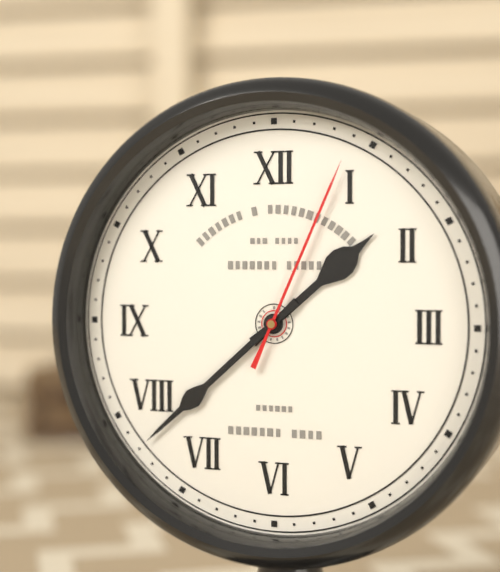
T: 1 h 38 min 04 s
